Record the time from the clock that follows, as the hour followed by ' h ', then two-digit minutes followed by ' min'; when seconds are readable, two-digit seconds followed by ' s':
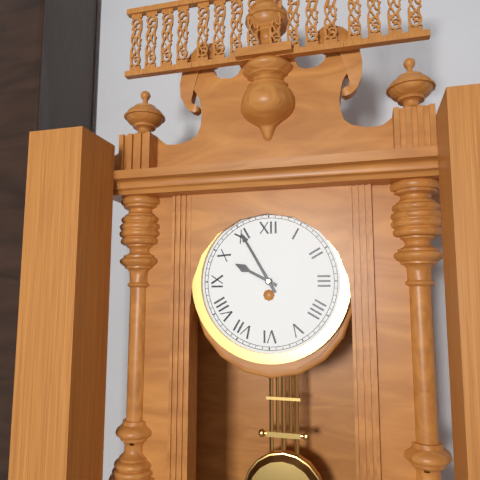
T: 9 h 55 min
